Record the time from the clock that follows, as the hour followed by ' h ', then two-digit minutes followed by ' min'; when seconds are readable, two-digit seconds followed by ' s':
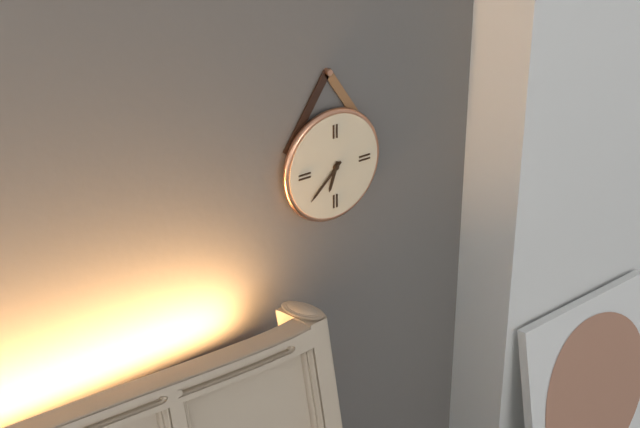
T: 6 h 38 min
